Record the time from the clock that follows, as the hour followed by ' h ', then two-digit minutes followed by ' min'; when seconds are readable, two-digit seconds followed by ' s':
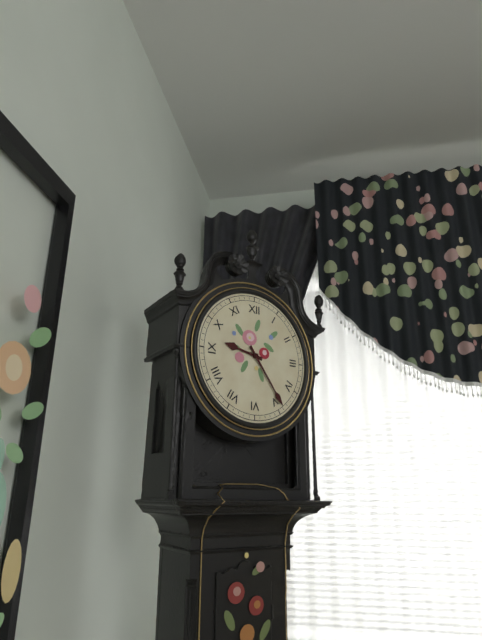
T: 9 h 24 min
